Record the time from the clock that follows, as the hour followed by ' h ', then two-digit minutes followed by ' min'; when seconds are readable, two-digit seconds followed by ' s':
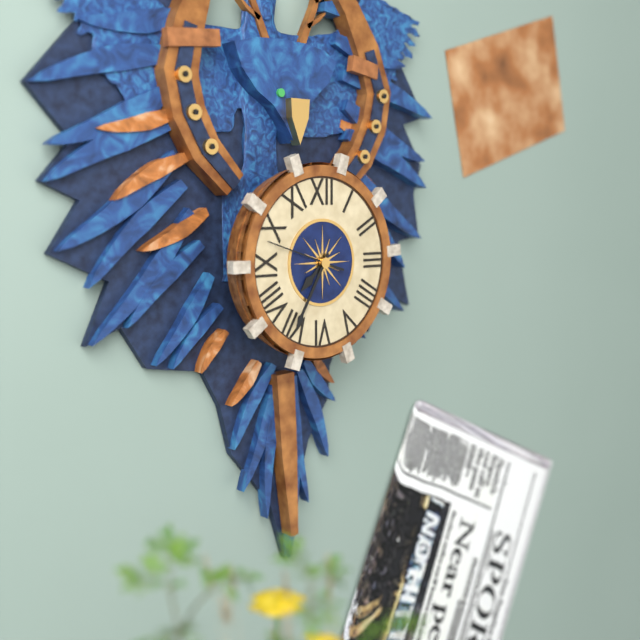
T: 7 h 35 min 48 s
